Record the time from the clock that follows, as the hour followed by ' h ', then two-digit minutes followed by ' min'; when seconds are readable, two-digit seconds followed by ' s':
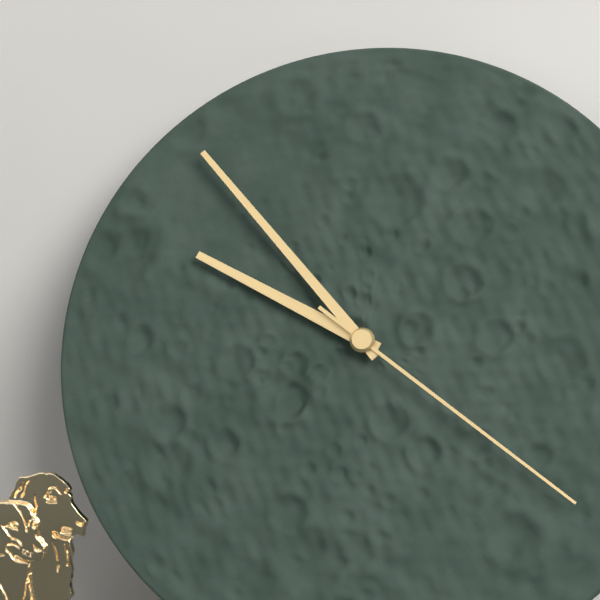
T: 9 h 53 min 21 s
